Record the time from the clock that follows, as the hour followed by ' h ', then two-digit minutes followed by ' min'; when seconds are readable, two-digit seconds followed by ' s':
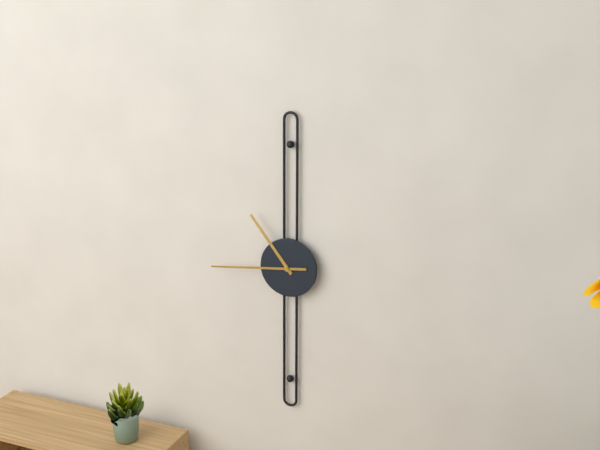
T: 10 h 44 min
